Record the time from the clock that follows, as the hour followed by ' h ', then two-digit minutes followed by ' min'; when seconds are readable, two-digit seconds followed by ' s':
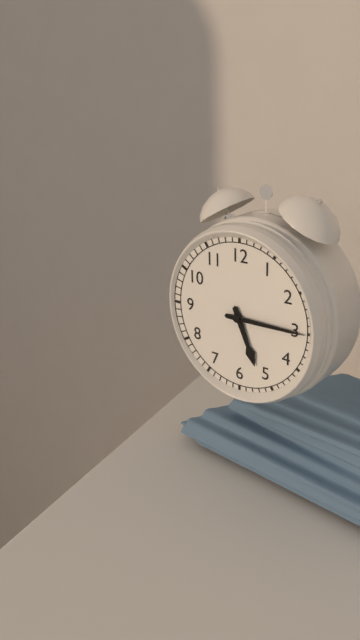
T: 5 h 15 min
